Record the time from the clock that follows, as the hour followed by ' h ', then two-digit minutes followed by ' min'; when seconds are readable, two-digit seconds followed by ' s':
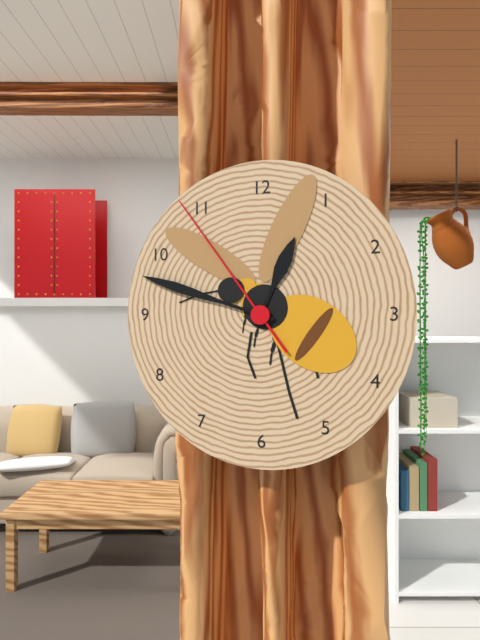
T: 12 h 48 min 54 s
